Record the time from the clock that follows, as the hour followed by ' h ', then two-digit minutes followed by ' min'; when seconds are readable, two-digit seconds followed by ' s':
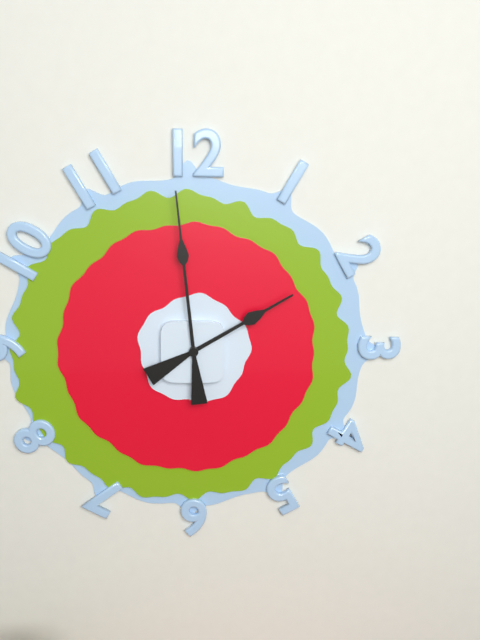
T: 1 h 59 min
